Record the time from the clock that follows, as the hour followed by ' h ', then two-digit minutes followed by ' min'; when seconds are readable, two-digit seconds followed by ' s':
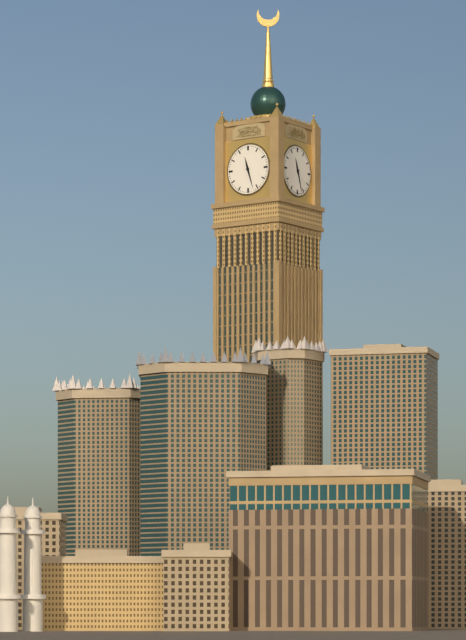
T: 11 h 27 min
